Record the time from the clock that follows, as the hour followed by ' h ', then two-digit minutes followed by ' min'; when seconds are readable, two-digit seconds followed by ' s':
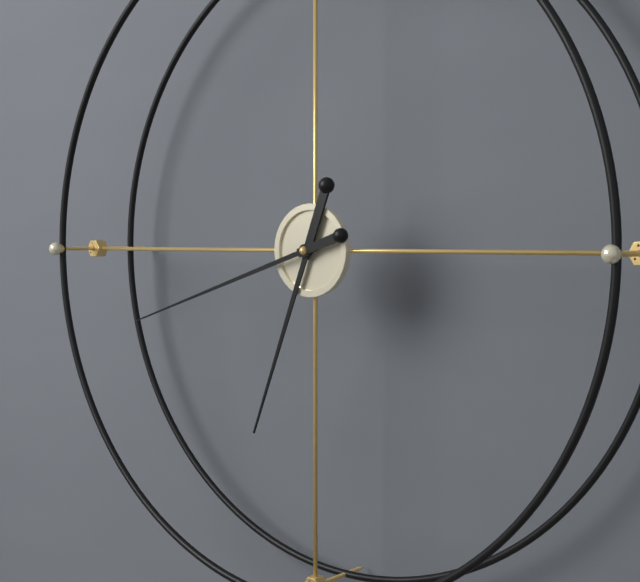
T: 6 h 42 min
